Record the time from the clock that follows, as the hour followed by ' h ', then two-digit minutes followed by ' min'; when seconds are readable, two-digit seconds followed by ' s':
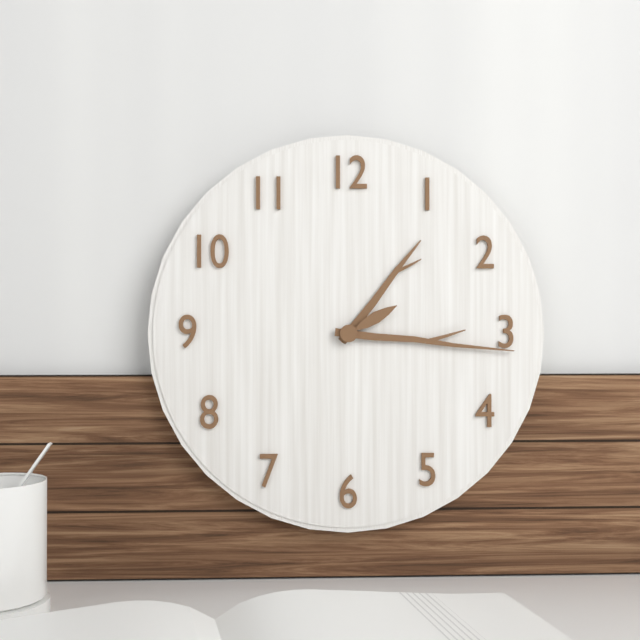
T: 1 h 16 min 10 s
